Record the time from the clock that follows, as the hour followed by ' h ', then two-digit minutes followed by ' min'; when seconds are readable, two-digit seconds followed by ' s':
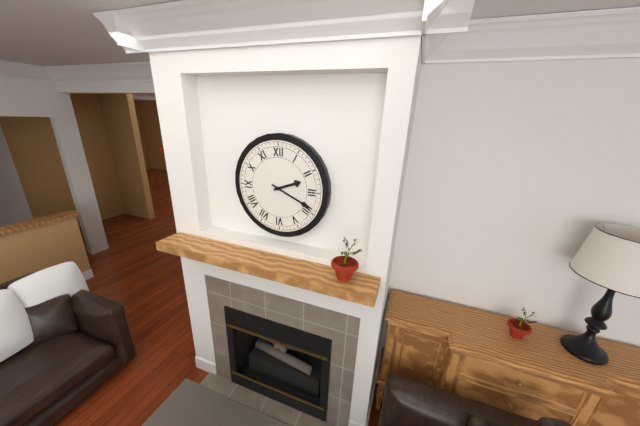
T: 2 h 19 min
